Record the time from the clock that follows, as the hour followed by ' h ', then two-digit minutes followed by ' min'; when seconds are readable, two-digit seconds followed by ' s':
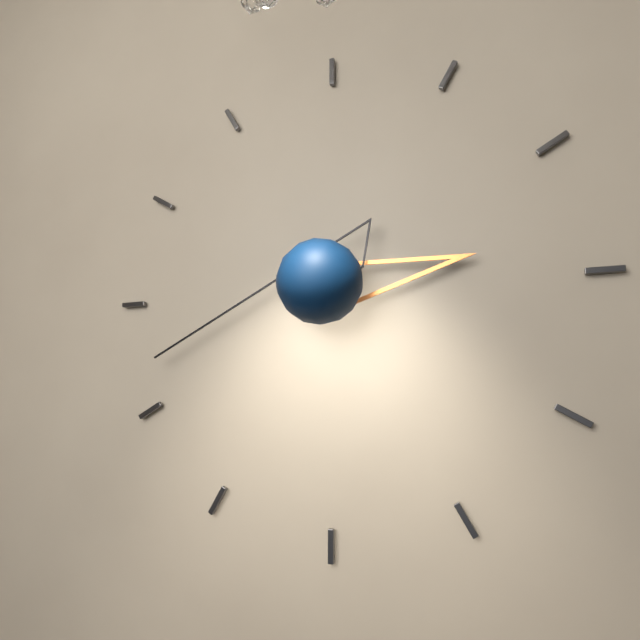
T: 2 h 42 min
